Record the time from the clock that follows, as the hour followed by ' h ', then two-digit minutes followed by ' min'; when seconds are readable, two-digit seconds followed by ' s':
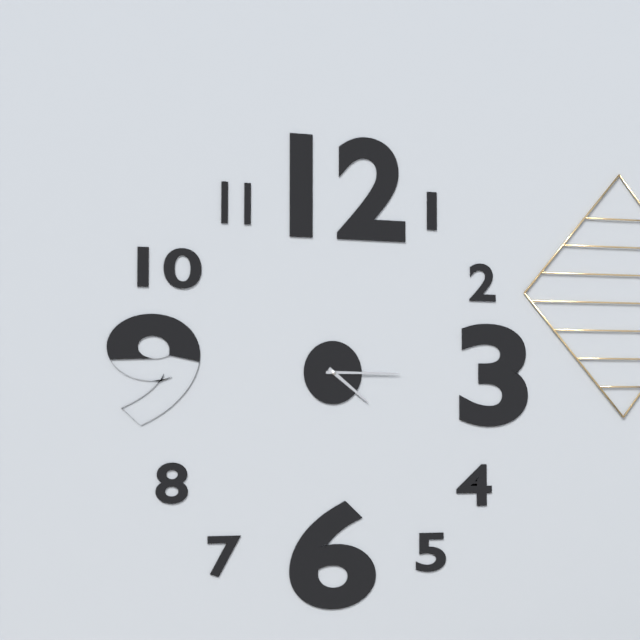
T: 4 h 15 min
